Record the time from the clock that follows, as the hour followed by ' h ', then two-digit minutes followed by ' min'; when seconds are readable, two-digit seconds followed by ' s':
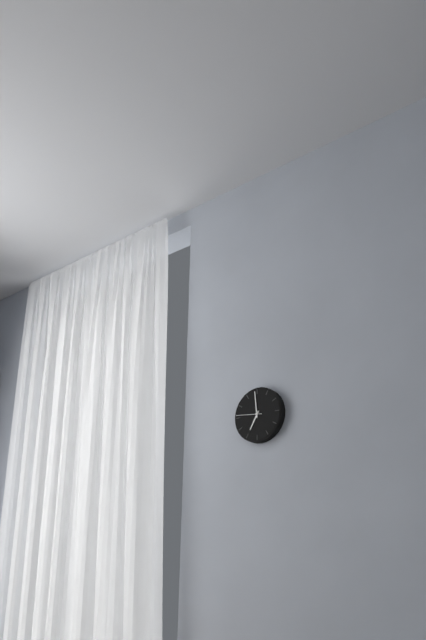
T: 6 h 59 min
